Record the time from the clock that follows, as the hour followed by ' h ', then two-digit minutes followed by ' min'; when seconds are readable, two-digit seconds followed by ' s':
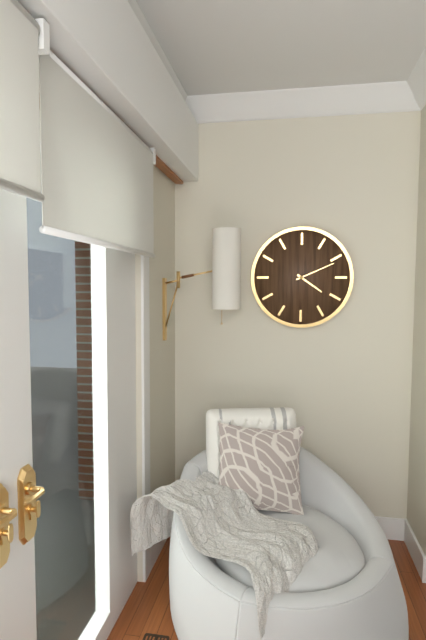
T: 4 h 11 min
